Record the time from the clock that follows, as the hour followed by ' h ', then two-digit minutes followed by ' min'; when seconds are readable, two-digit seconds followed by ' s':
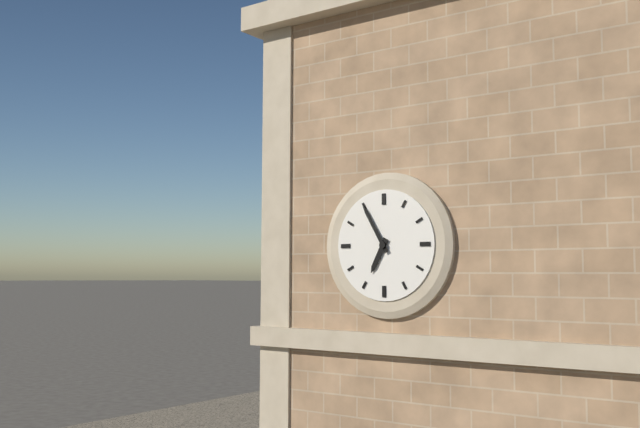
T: 6 h 55 min
